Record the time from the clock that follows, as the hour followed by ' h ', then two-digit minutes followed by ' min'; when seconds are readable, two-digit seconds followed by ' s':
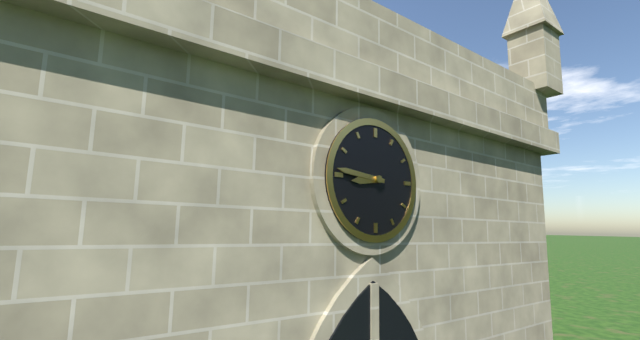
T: 8 h 46 min
